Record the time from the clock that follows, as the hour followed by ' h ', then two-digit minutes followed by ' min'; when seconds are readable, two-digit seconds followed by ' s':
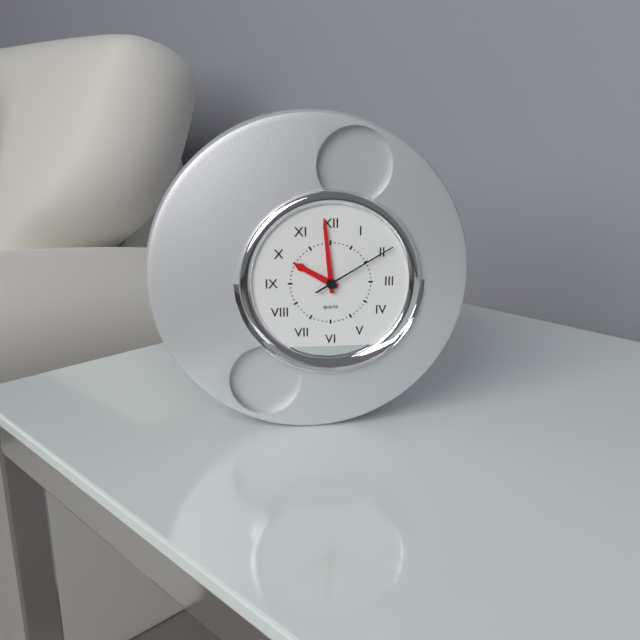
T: 9 h 59 min 10 s
